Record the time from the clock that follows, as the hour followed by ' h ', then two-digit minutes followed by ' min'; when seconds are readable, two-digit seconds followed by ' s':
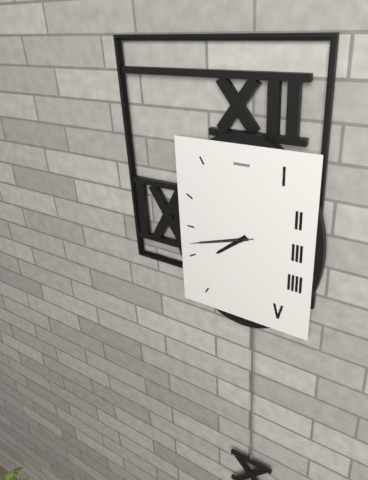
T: 7 h 42 min 42 s
